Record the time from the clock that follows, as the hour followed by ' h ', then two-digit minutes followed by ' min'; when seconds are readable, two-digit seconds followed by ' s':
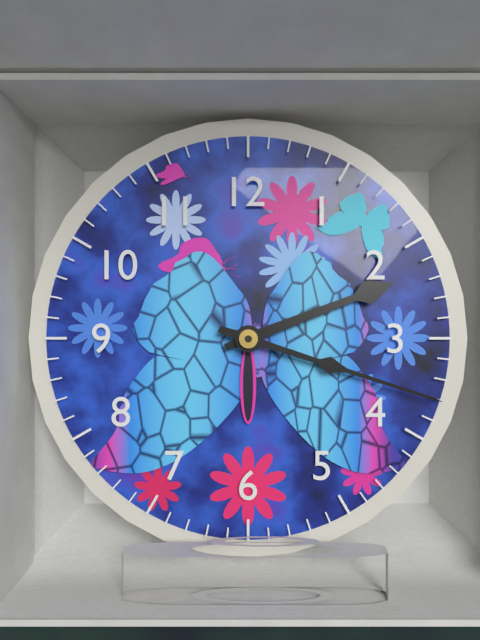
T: 2 h 18 min
